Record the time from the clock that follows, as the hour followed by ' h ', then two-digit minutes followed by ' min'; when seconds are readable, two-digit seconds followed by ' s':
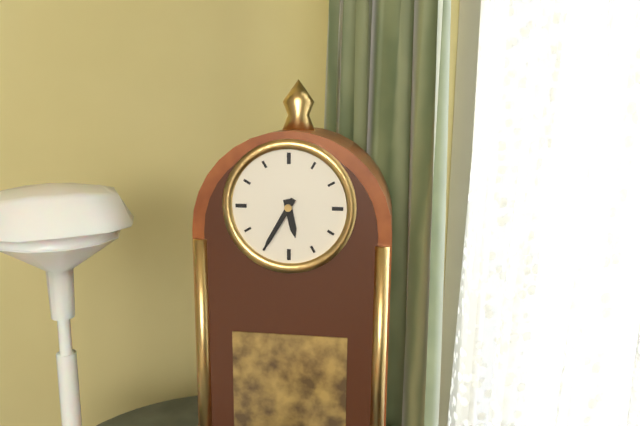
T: 5 h 35 min
